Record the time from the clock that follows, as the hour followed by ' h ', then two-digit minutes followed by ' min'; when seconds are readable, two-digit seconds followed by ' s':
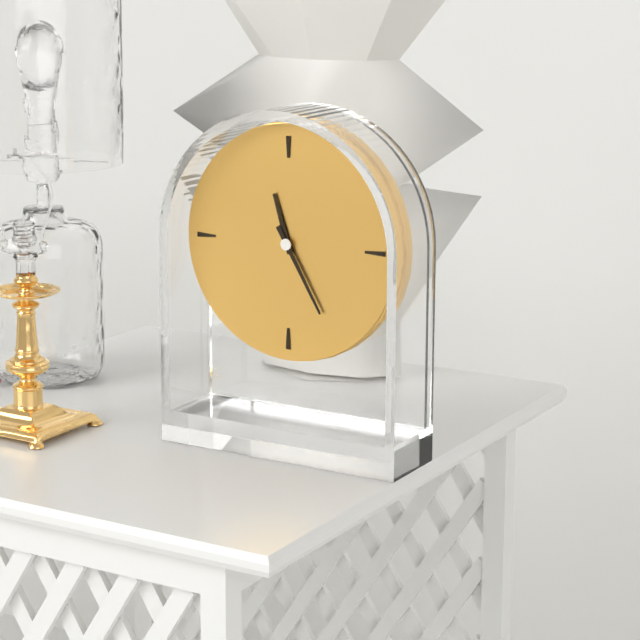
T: 11 h 25 min
